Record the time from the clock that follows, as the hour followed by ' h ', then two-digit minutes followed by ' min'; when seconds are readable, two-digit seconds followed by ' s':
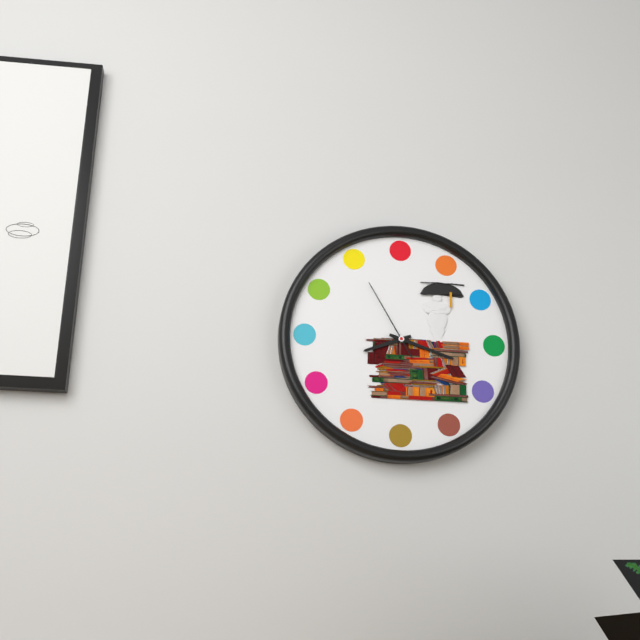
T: 8 h 18 min 55 s
